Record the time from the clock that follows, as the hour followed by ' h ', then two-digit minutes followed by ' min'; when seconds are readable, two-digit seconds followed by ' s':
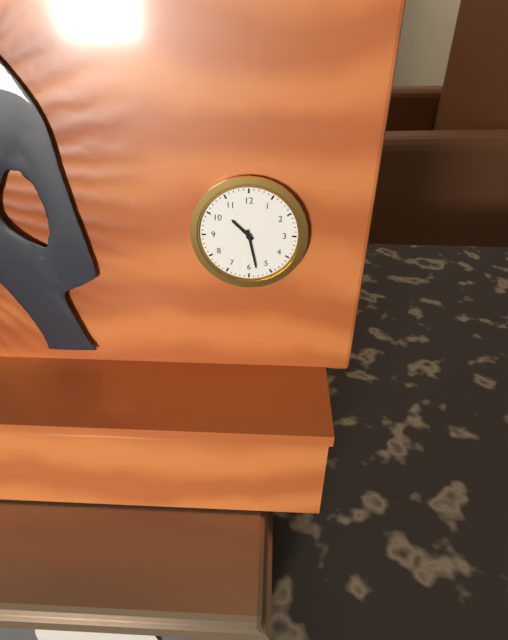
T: 10 h 28 min
